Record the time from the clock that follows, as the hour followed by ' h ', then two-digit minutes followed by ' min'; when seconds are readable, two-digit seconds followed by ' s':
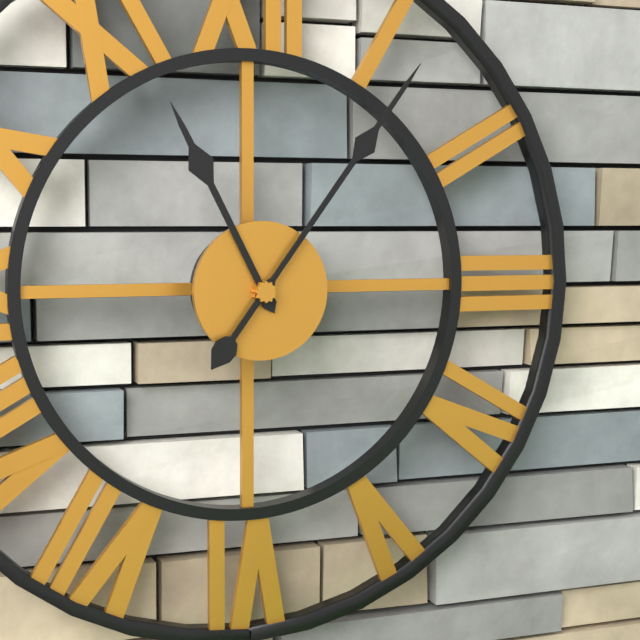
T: 11 h 06 min
